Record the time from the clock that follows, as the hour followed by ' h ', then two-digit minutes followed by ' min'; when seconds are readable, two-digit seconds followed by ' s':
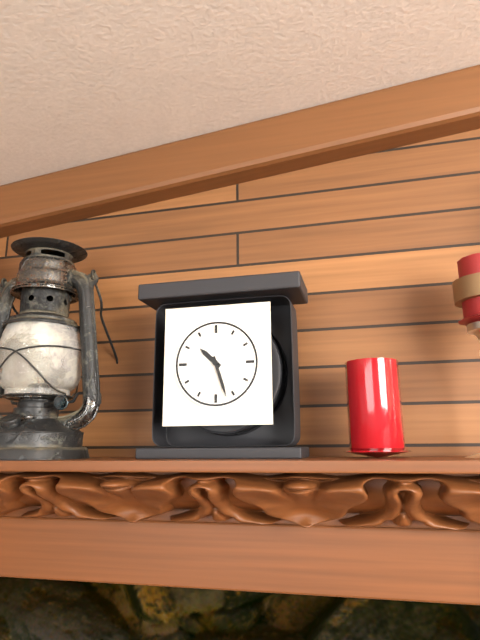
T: 10 h 27 min
